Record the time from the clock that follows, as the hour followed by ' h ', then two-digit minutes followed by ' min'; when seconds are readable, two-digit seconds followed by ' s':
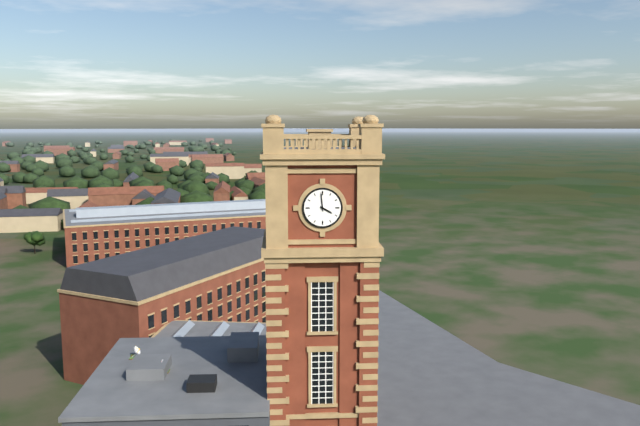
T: 3 h 59 min
